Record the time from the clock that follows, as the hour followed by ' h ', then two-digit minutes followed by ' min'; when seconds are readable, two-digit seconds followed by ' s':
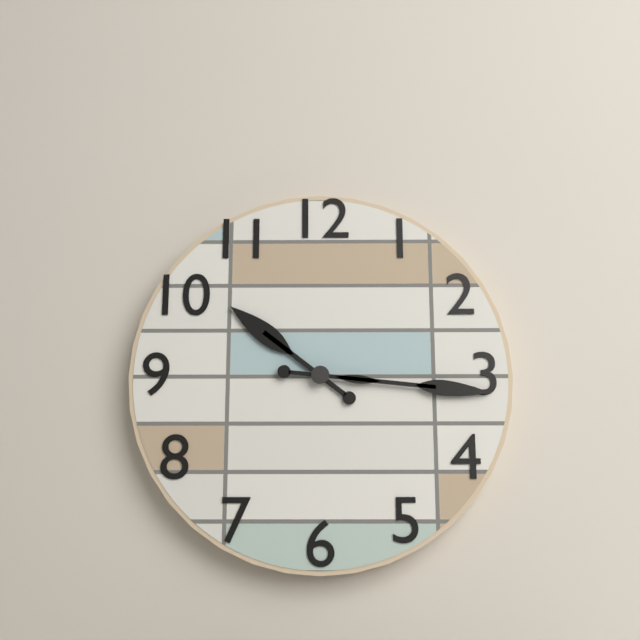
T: 10 h 16 min
